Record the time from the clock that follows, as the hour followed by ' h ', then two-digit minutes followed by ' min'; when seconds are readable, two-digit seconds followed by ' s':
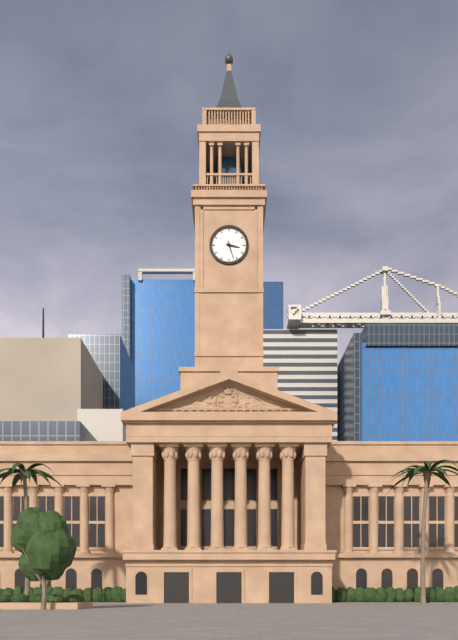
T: 3 h 27 min
